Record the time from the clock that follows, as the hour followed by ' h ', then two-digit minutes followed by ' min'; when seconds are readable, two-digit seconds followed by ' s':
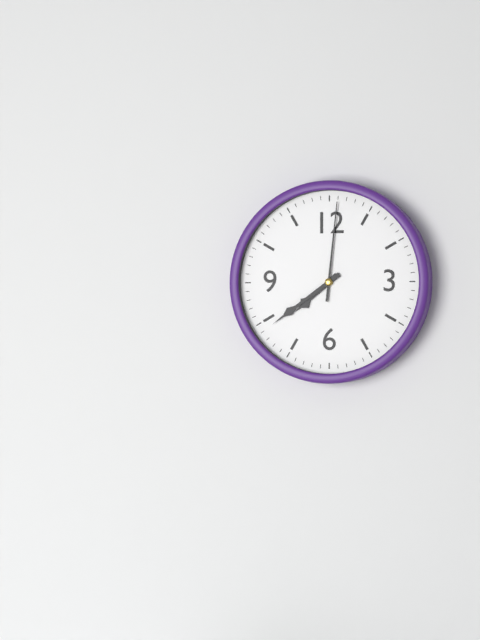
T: 7 h 39 min 01 s
